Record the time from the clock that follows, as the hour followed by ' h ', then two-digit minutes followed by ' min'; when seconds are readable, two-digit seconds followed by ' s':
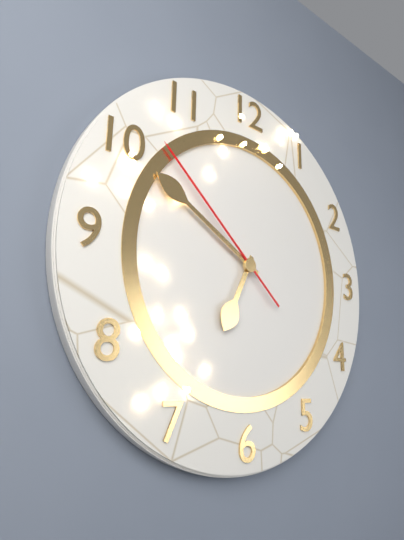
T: 6 h 50 min 52 s
